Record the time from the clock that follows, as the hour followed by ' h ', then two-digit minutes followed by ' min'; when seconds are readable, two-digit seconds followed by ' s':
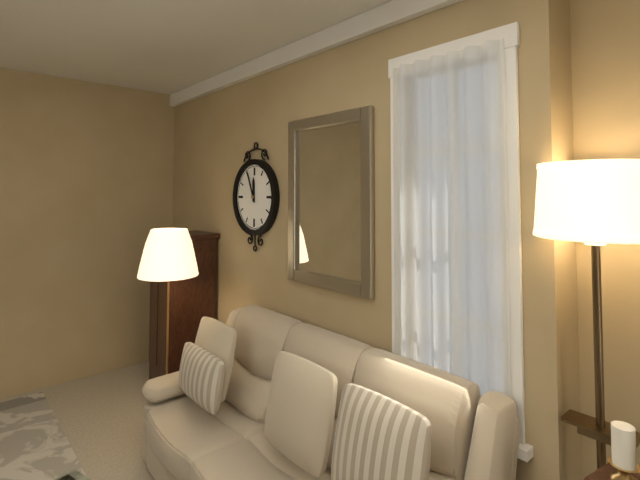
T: 11 h 56 min
